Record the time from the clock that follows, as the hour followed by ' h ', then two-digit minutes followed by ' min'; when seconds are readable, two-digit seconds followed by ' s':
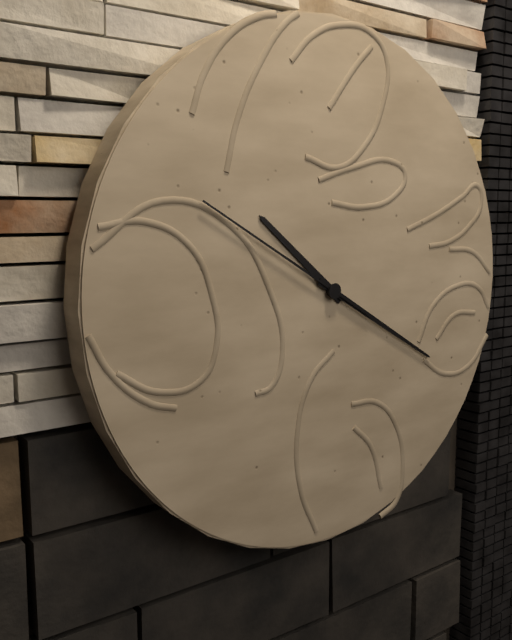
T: 10 h 20 min 50 s
